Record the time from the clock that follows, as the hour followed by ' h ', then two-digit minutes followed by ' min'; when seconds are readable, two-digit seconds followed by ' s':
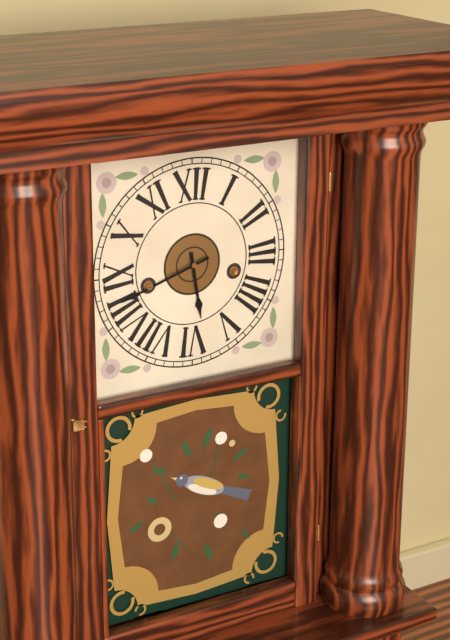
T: 5 h 42 min
